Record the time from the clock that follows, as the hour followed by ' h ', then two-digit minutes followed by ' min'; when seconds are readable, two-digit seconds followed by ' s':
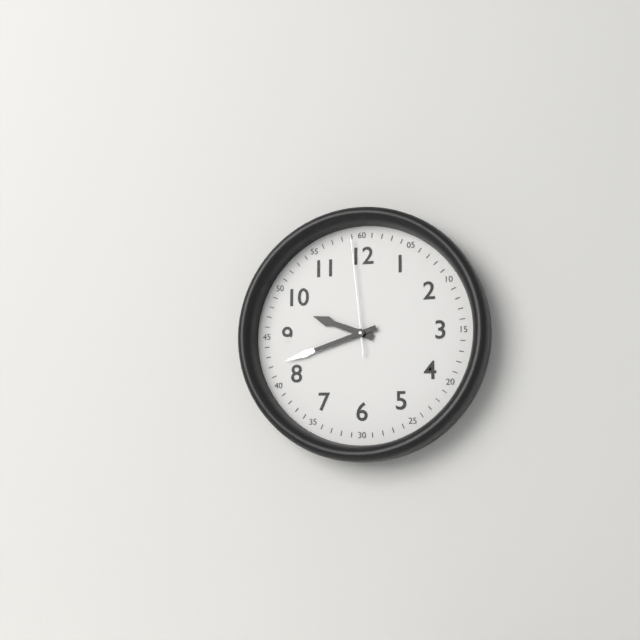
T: 9 h 42 min 59 s
